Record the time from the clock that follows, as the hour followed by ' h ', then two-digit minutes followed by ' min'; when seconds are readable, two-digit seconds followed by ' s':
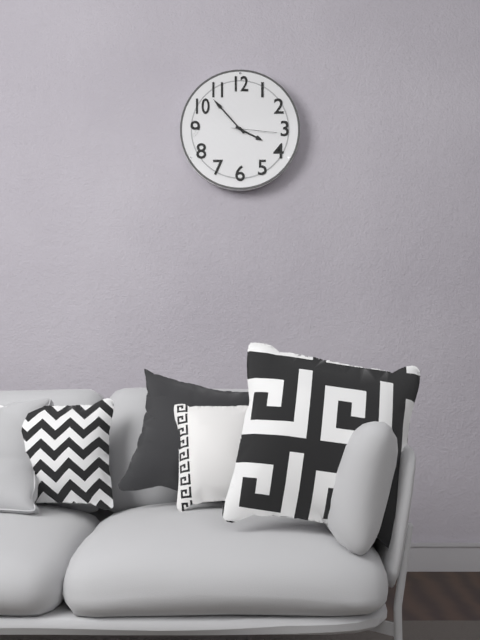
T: 3 h 53 min
